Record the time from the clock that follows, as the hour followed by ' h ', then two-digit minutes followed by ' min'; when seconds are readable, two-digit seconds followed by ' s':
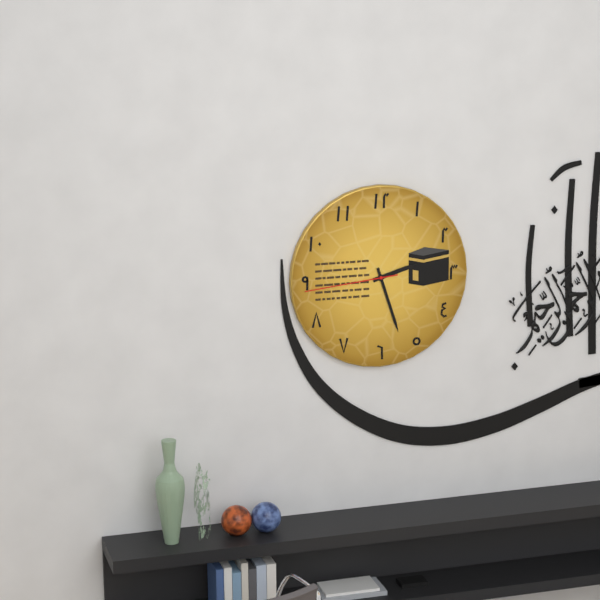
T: 2 h 27 min 44 s
